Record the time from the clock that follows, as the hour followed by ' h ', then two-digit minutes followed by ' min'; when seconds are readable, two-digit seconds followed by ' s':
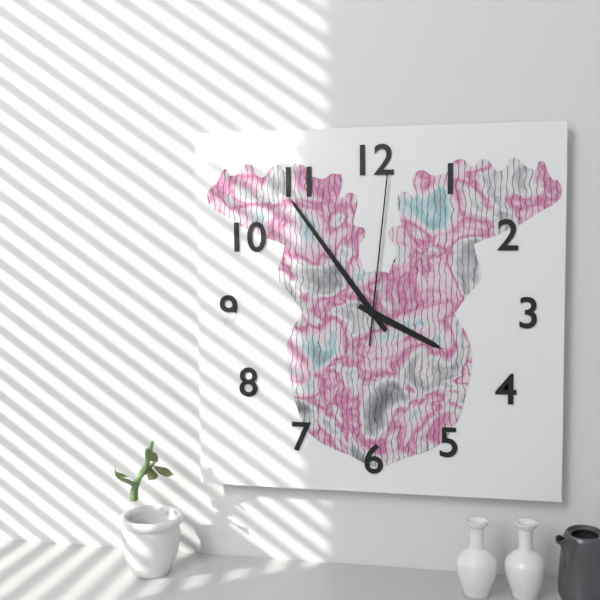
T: 3 h 54 min 01 s
